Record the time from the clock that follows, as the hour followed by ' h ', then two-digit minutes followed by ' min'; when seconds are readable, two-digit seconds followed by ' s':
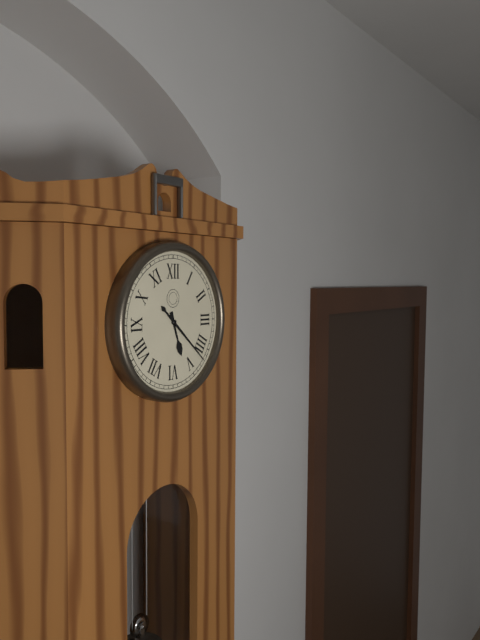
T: 5 h 22 min
